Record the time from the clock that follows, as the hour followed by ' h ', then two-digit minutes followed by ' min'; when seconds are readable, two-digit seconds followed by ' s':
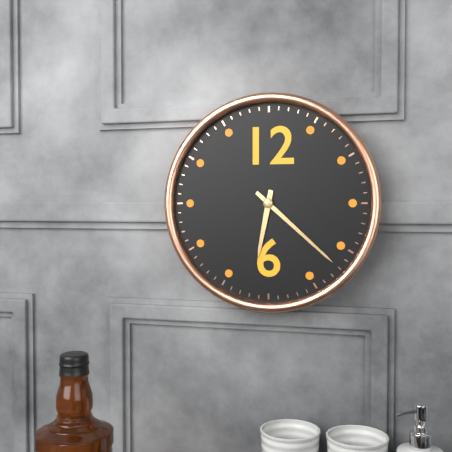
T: 6 h 22 min
